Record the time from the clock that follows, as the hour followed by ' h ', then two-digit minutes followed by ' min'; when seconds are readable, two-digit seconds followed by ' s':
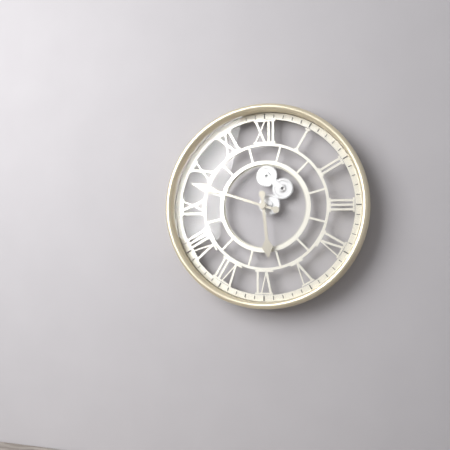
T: 5 h 48 min
